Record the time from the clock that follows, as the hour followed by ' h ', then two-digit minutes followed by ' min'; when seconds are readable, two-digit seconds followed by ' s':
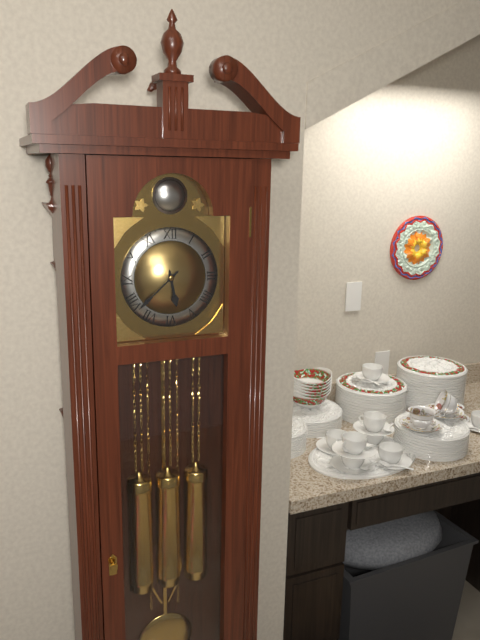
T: 5 h 38 min
